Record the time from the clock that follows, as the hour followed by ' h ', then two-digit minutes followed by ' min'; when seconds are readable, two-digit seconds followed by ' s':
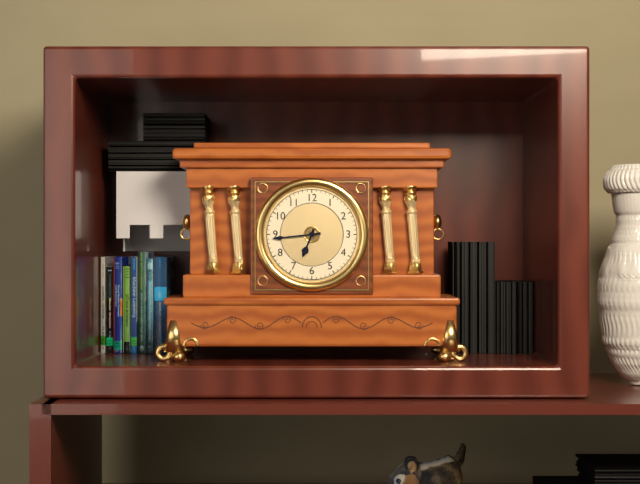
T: 6 h 44 min
